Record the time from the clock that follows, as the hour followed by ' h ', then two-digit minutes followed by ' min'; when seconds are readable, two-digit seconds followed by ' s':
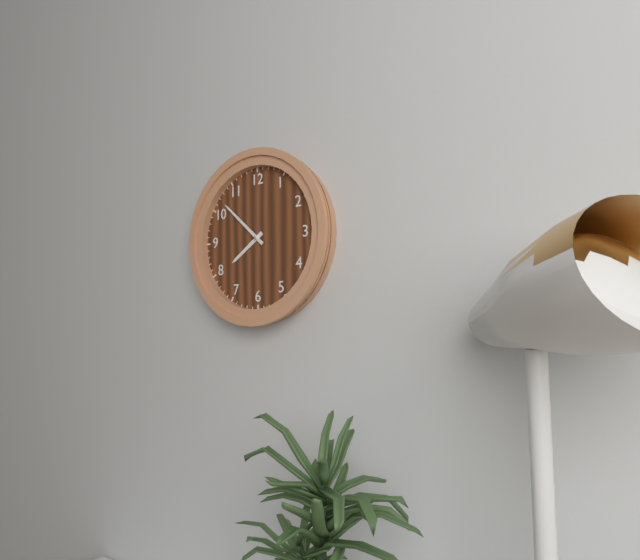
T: 7 h 52 min
